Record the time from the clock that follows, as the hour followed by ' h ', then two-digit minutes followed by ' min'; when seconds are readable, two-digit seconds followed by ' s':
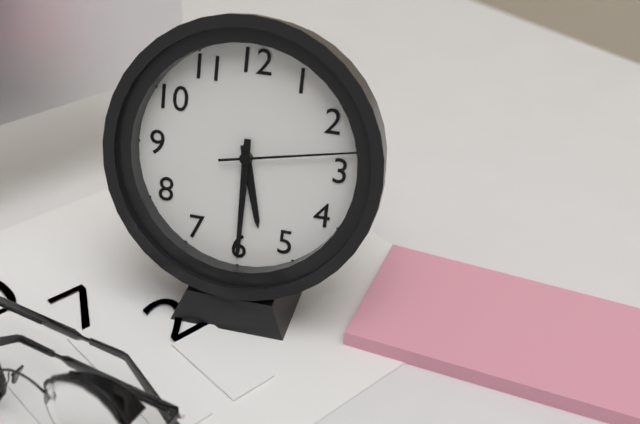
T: 5 h 30 min 13 s
